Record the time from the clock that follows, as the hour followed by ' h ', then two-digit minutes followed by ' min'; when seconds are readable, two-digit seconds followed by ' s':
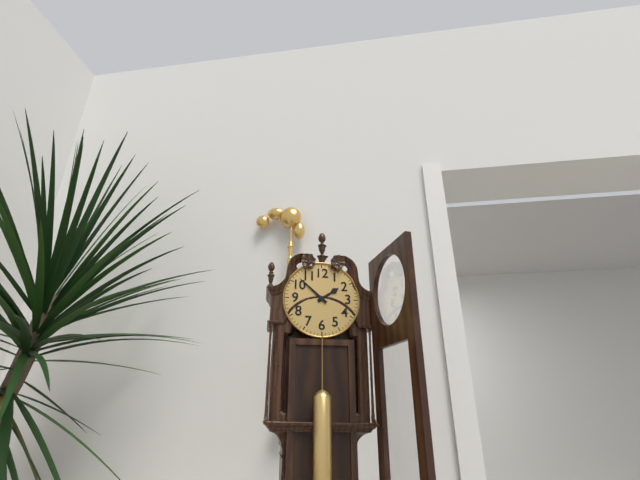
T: 1 h 52 min
